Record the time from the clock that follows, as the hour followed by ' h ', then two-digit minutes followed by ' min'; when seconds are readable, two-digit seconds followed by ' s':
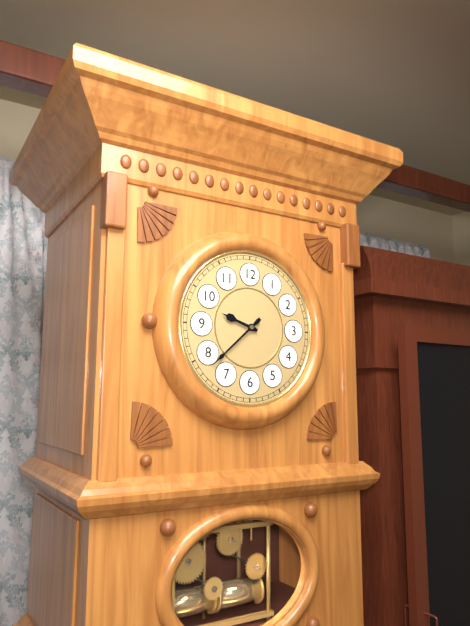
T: 9 h 38 min
